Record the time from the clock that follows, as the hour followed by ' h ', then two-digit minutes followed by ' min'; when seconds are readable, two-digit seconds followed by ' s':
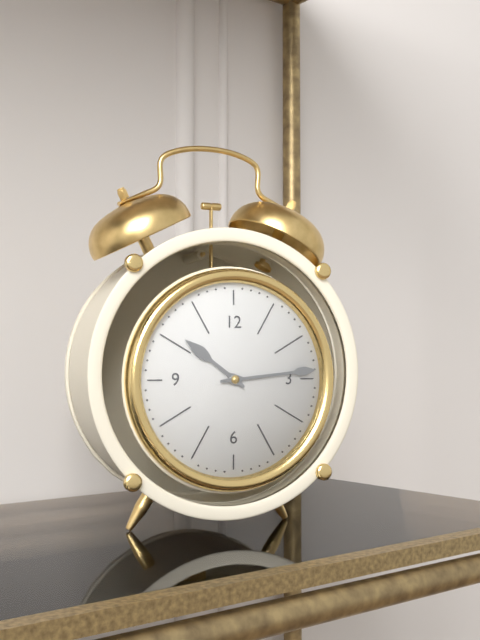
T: 10 h 14 min
